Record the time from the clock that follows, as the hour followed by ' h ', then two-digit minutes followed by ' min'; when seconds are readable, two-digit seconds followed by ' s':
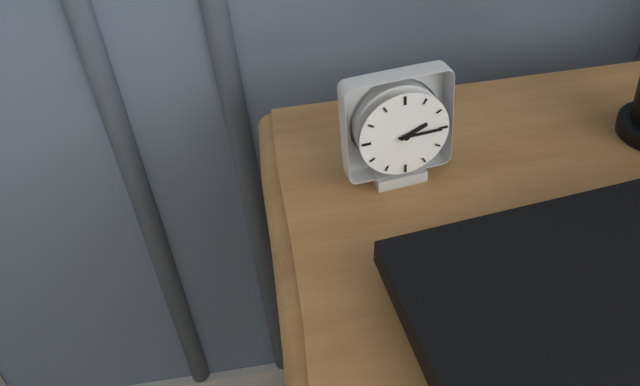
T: 2 h 15 min
